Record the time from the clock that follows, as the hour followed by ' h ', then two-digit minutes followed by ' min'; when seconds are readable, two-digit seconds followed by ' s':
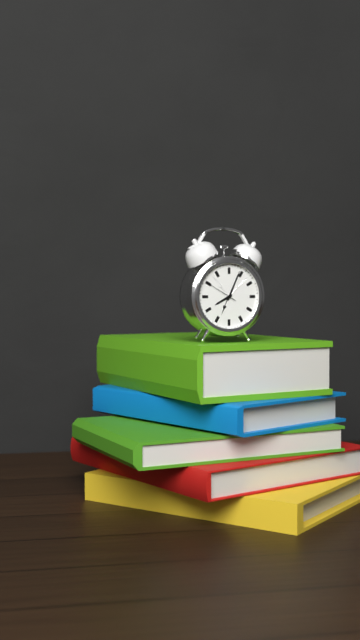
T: 8 h 04 min
